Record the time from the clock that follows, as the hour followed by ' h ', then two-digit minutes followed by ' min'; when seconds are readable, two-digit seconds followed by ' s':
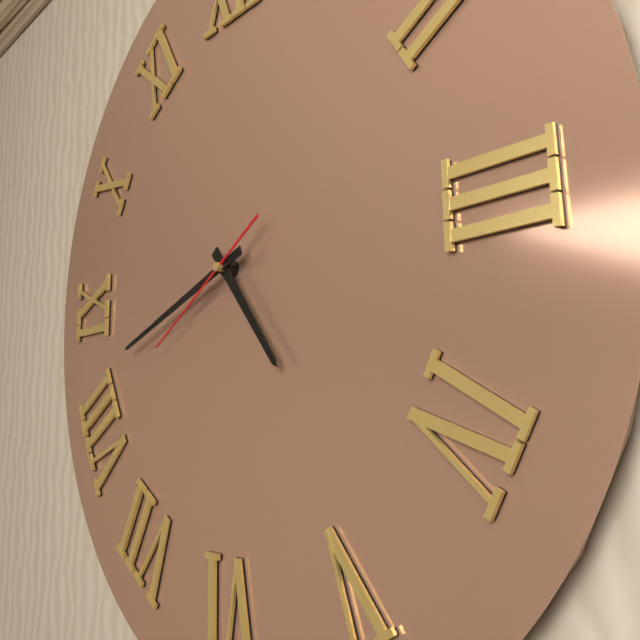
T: 4 h 42 min 40 s
